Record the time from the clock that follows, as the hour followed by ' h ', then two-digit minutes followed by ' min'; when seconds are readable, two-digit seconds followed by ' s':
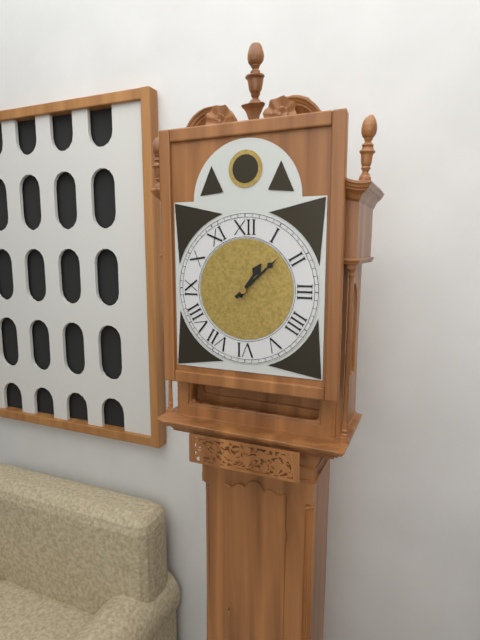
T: 1 h 08 min
